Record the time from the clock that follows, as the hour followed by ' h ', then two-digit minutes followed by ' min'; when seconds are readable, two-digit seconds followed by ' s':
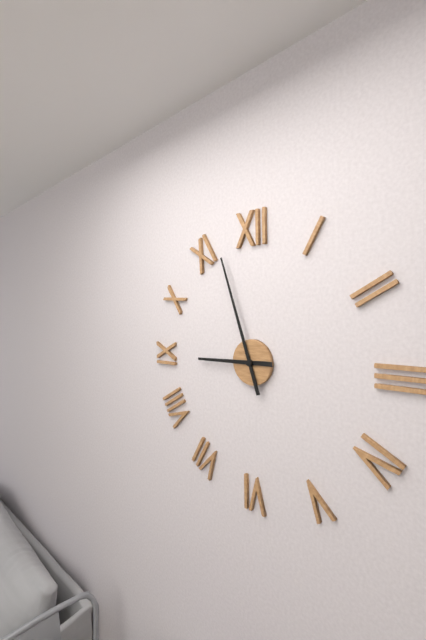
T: 8 h 57 min
